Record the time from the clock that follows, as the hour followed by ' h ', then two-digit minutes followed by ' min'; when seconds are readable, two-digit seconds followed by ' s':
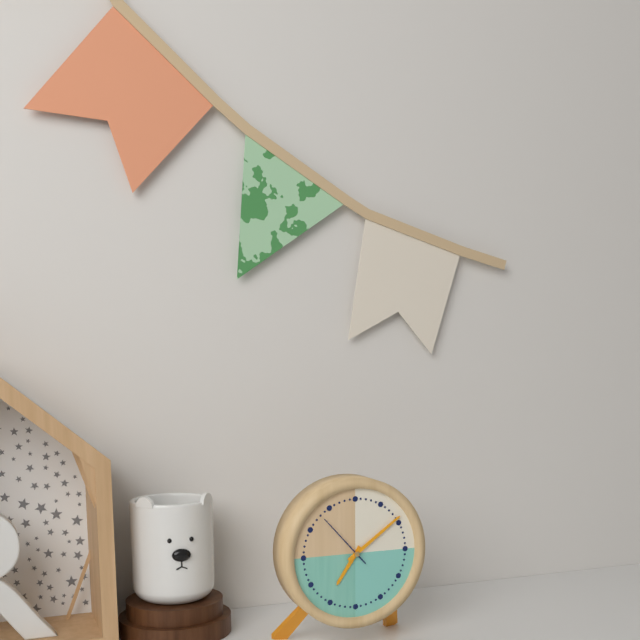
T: 7 h 09 min 53 s
